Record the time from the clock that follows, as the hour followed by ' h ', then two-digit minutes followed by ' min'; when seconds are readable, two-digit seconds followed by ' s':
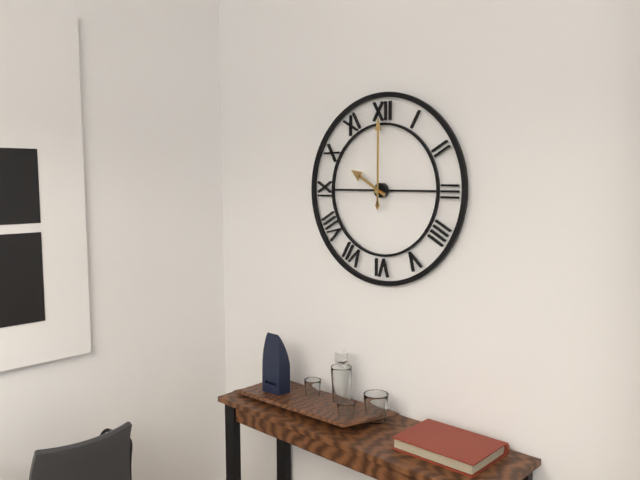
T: 10 h 00 min
